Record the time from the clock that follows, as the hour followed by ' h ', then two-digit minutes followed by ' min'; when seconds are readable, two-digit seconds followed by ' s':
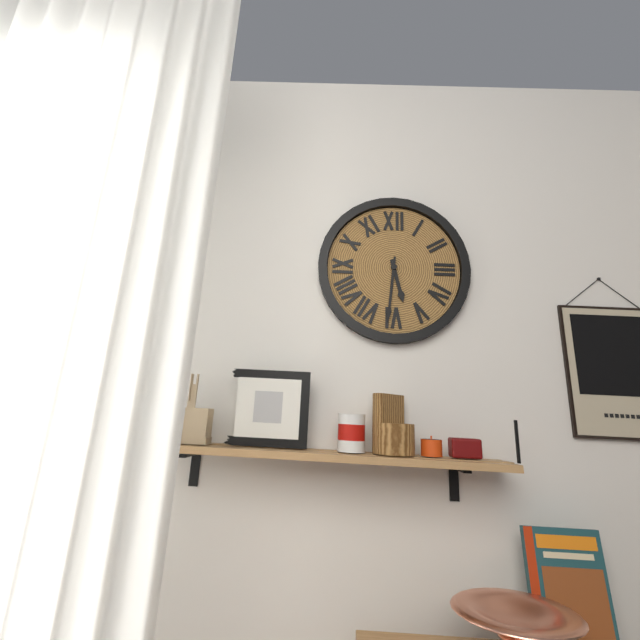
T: 5 h 31 min
